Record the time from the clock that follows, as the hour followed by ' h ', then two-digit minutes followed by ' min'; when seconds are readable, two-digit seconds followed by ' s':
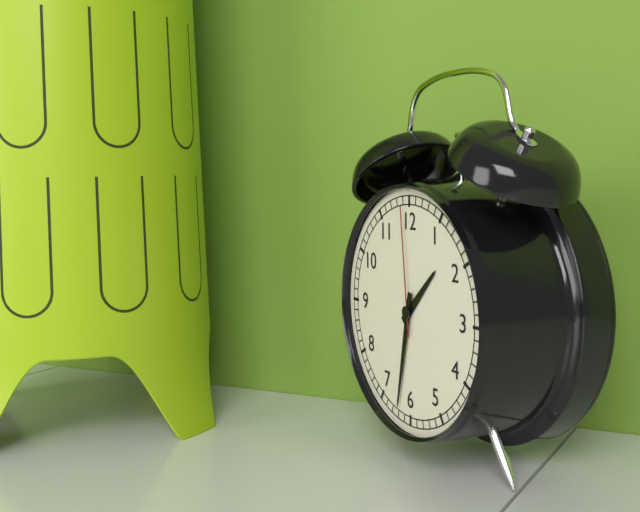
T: 1 h 32 min 59 s
